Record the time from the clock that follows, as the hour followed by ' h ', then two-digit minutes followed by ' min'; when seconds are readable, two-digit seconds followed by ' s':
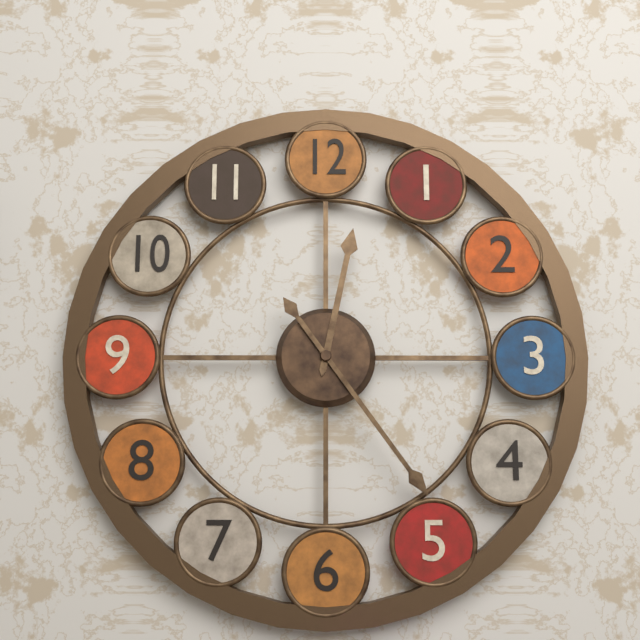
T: 12 h 24 min
